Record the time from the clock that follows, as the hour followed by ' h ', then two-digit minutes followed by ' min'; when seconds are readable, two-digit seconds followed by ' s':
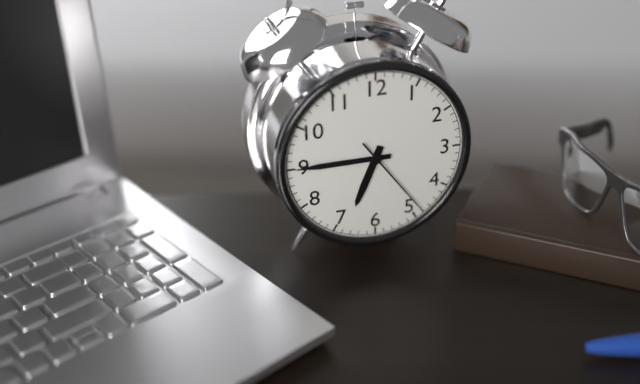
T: 6 h 45 min 24 s
